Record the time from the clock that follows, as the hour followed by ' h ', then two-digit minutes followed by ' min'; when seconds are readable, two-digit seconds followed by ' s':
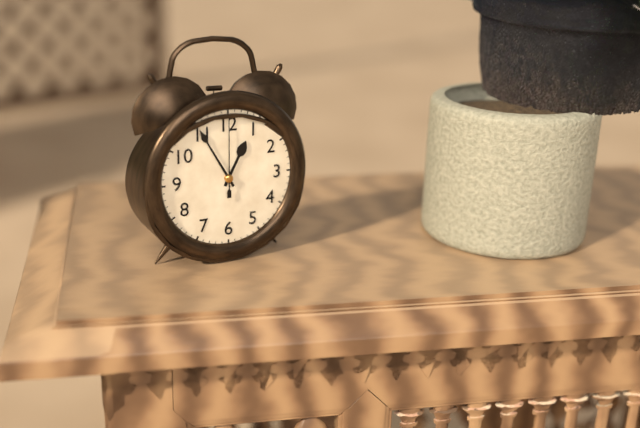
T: 12 h 55 min 00 s
